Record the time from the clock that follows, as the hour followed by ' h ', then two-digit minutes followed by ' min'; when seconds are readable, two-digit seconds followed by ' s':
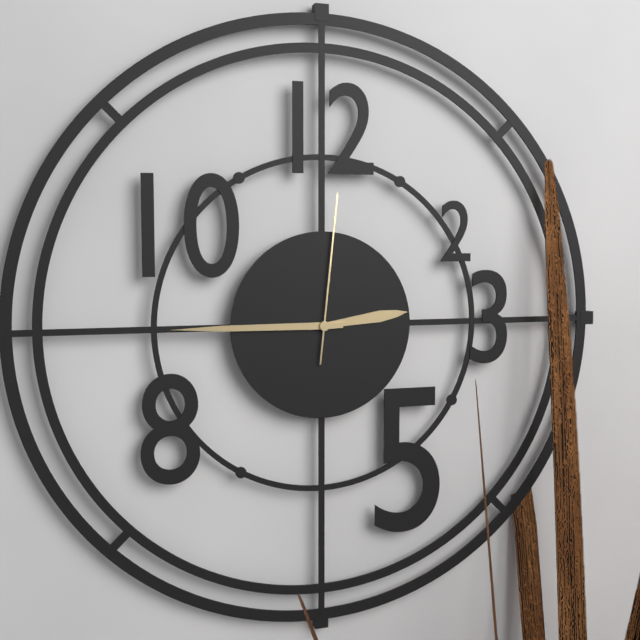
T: 2 h 45 min 01 s
